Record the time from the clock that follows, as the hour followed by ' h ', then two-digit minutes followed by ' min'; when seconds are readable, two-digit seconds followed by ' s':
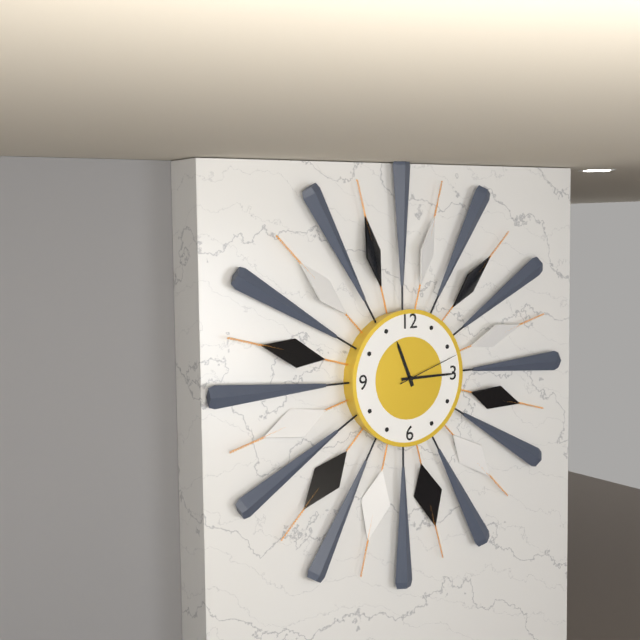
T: 11 h 15 min 12 s
